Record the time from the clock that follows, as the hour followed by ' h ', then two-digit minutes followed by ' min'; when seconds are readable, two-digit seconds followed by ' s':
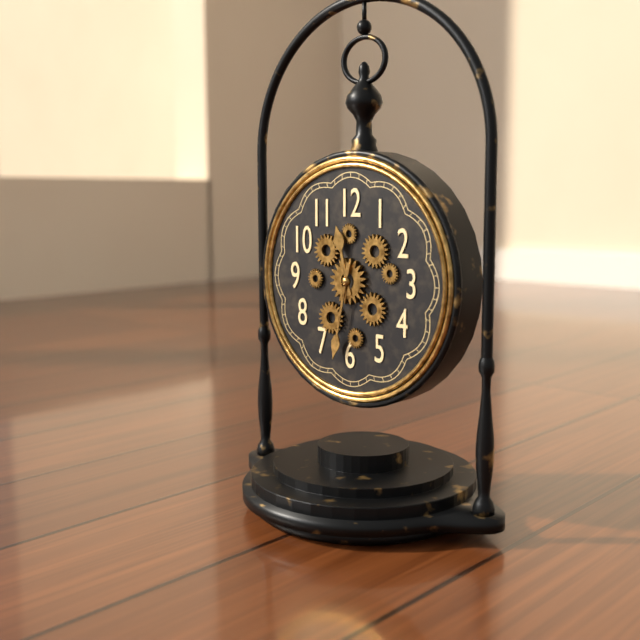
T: 11 h 32 min
